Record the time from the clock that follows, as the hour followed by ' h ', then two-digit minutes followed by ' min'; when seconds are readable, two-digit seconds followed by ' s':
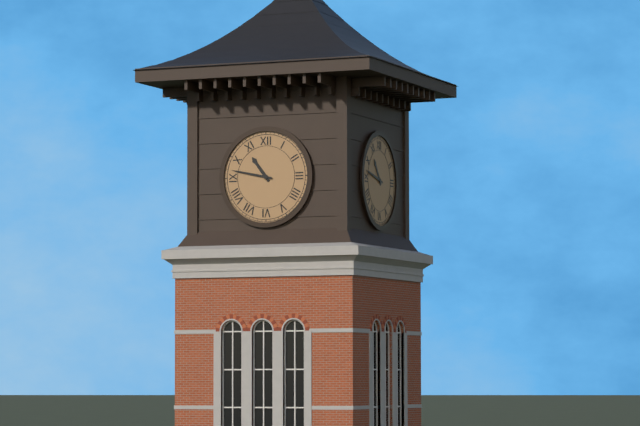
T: 10 h 47 min
